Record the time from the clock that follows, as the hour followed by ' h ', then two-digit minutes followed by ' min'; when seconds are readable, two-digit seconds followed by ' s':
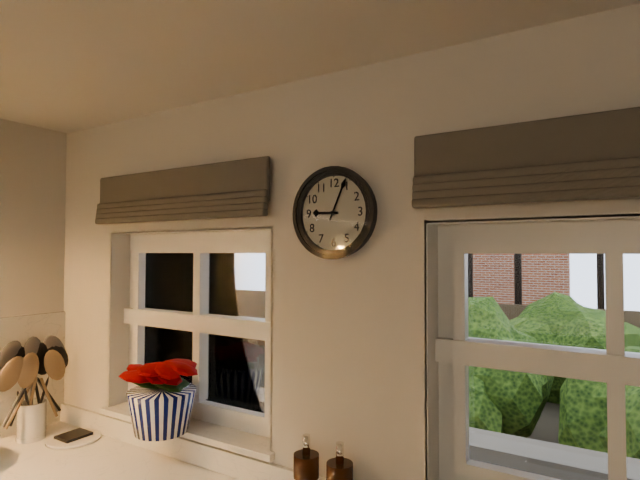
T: 9 h 04 min
